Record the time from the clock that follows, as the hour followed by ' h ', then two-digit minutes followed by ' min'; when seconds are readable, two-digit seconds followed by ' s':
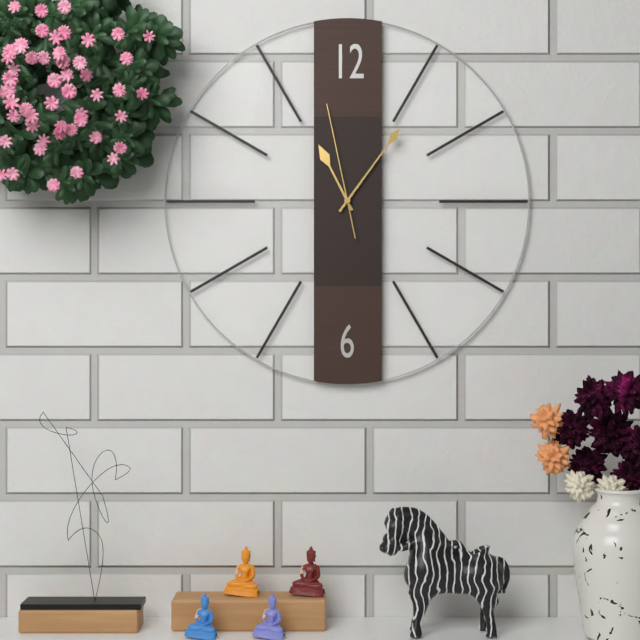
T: 11 h 06 min 58 s
